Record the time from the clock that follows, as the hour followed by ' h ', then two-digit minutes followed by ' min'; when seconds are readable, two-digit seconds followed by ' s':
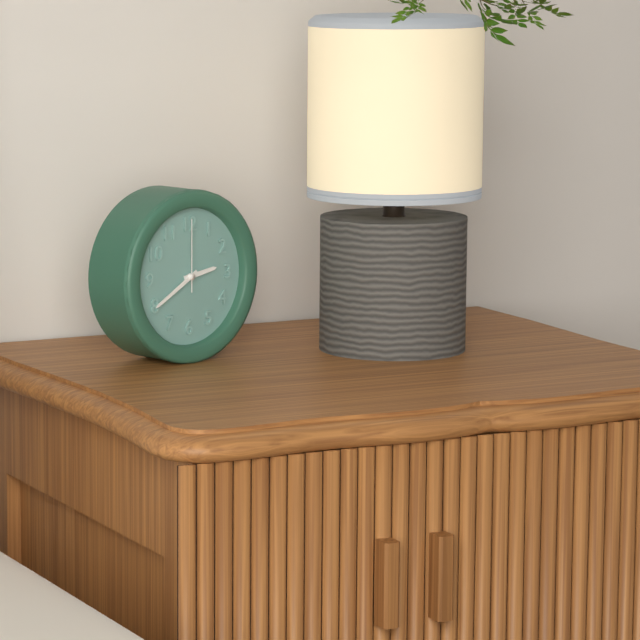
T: 2 h 40 min 00 s
